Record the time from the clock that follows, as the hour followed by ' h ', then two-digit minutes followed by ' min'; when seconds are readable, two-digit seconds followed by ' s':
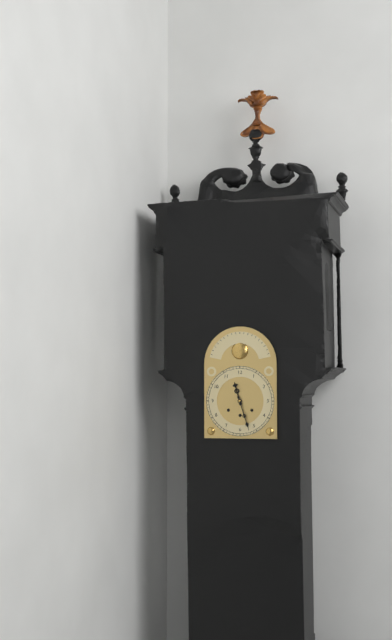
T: 11 h 27 min
